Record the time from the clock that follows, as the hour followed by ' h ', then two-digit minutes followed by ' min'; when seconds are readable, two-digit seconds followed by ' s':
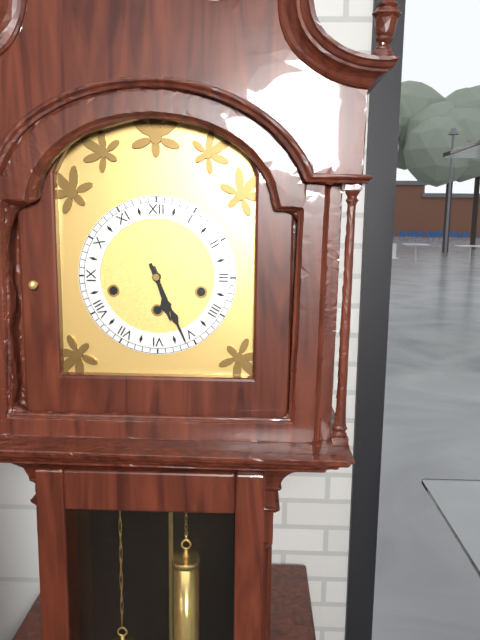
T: 5 h 26 min
